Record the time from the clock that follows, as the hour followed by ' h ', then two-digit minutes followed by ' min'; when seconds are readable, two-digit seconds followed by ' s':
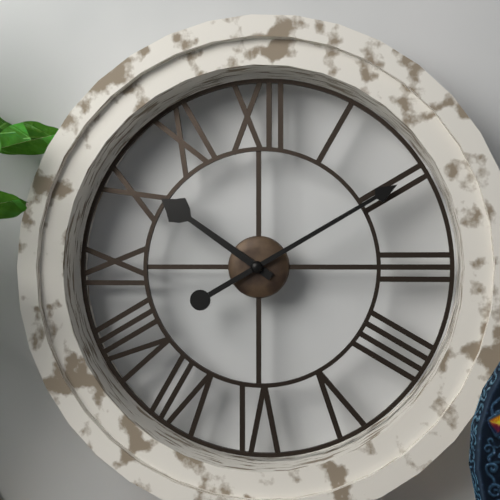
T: 10 h 10 min
